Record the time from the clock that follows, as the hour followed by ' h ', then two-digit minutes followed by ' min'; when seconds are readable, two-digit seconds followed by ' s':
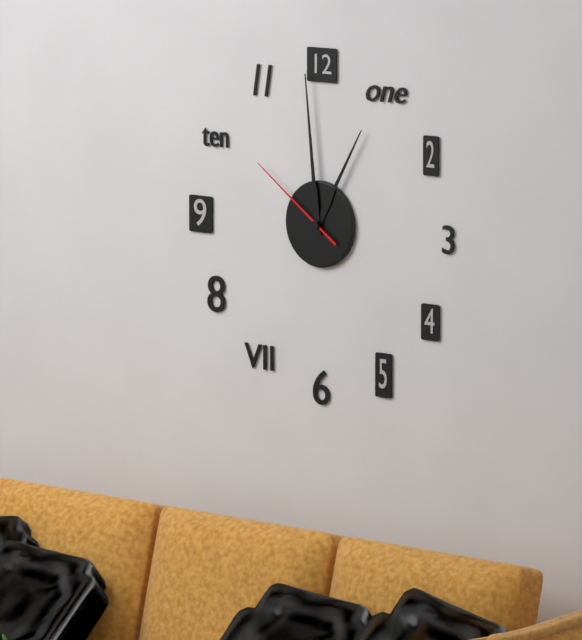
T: 12 h 59 min 51 s
